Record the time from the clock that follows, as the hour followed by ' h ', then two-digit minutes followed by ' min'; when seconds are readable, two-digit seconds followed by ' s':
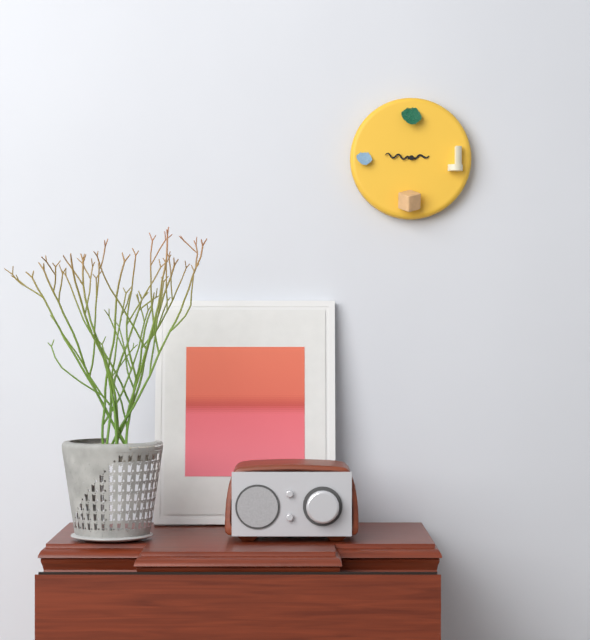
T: 2 h 46 min
